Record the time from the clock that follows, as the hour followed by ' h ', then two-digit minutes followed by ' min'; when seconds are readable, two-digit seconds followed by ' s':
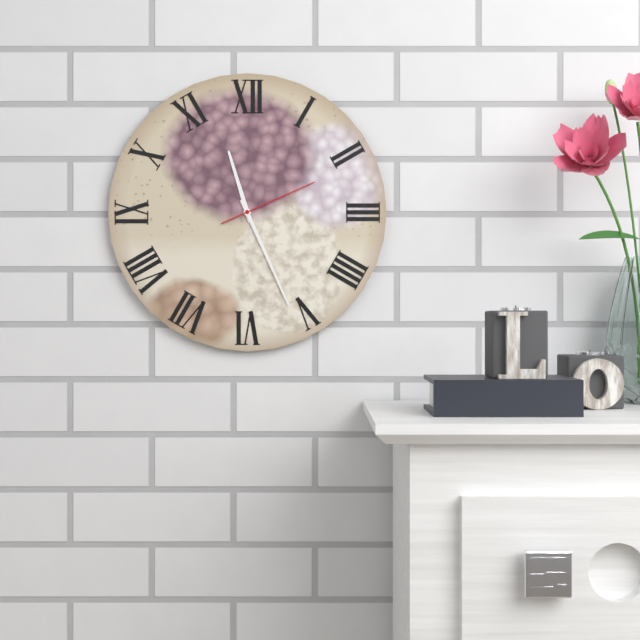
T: 11 h 26 min 11 s
